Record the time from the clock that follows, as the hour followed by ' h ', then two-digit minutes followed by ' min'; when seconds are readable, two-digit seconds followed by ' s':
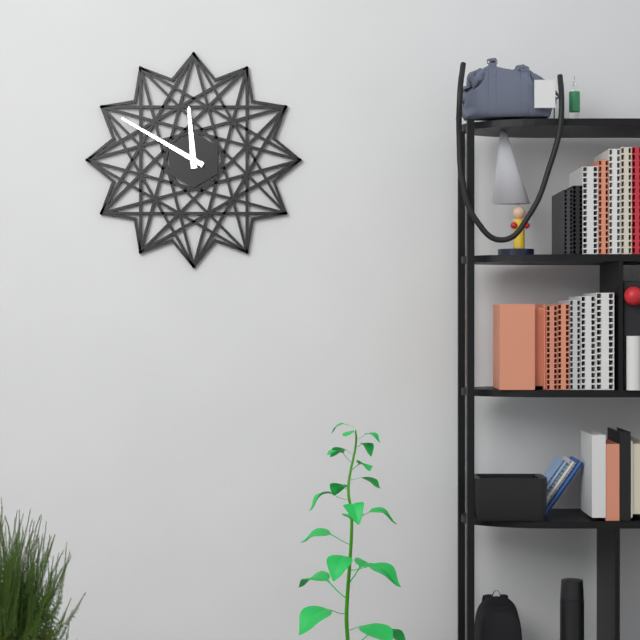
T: 11 h 50 min
